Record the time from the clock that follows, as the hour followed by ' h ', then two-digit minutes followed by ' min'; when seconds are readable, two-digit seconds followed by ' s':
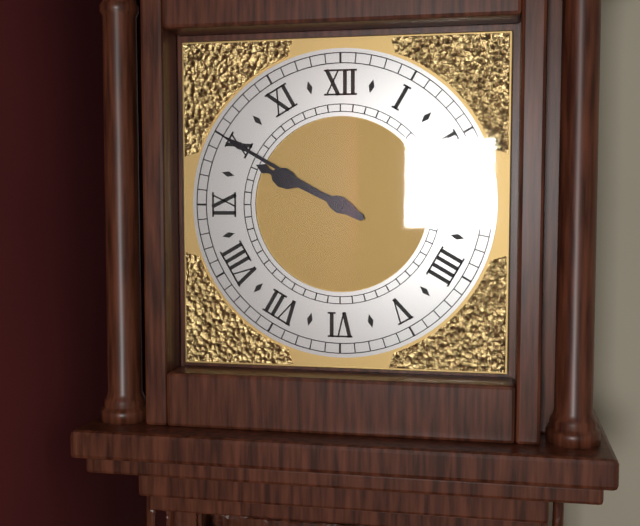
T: 9 h 50 min
